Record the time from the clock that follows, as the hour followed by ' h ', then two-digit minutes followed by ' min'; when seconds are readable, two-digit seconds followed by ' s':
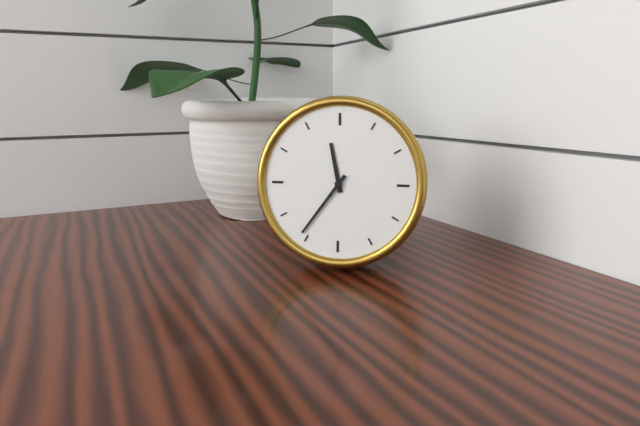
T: 11 h 36 min
